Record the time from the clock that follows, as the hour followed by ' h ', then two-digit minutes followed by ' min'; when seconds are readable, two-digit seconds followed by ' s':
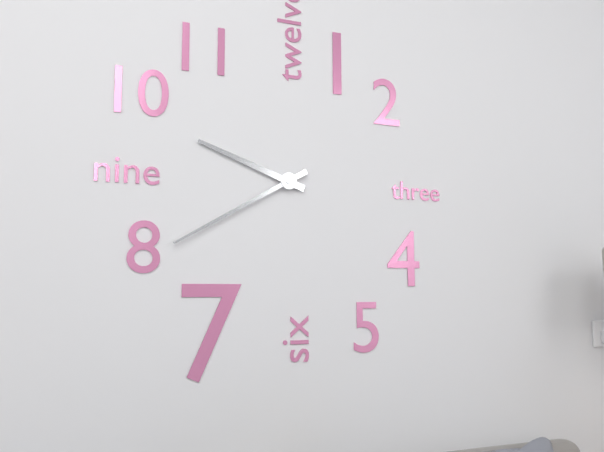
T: 9 h 40 min
